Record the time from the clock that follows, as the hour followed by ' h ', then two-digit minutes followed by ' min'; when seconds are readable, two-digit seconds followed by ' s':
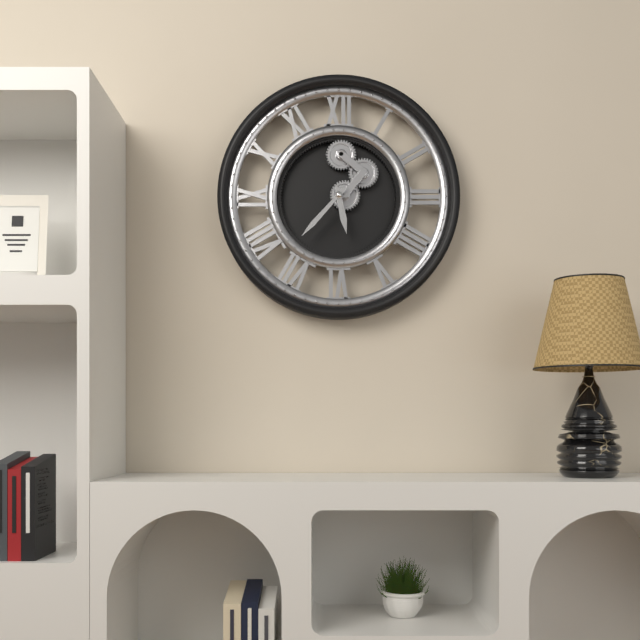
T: 5 h 37 min
